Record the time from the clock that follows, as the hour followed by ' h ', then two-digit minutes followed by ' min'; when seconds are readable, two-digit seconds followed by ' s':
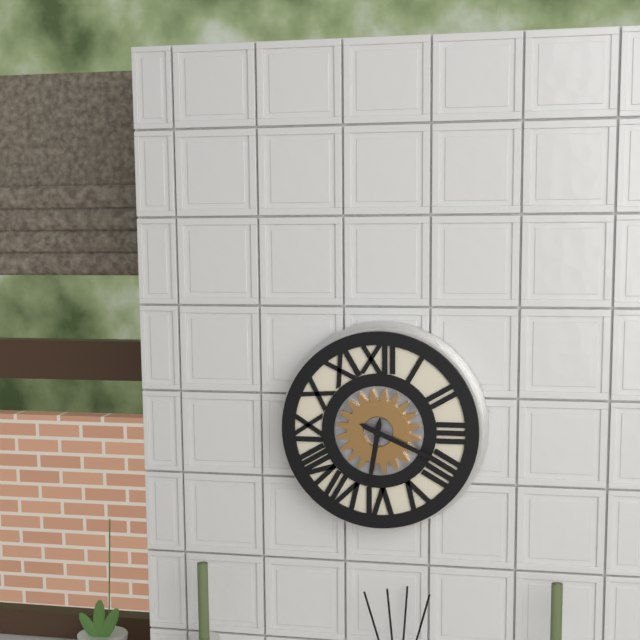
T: 6 h 19 min
